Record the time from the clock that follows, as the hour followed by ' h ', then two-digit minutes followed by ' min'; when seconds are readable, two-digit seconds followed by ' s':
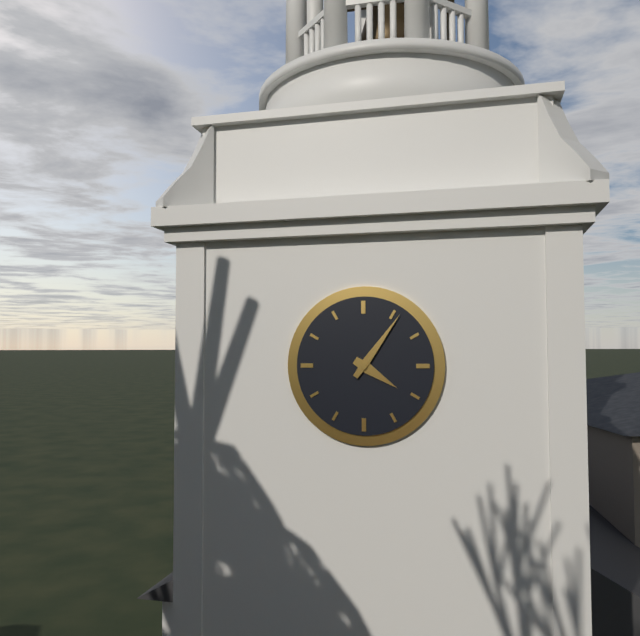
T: 4 h 06 min
